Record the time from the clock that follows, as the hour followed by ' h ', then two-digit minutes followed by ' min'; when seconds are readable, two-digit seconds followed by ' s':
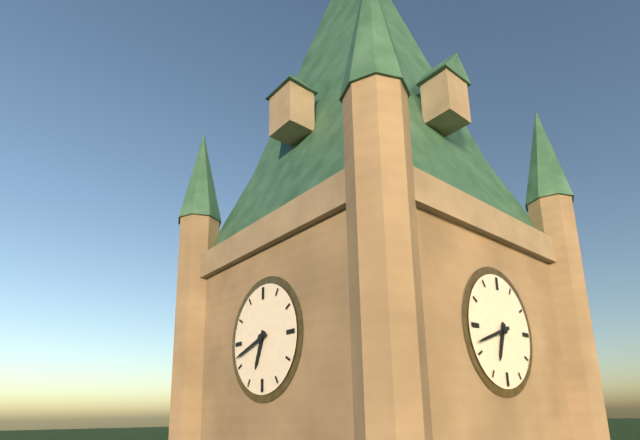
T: 6 h 42 min
